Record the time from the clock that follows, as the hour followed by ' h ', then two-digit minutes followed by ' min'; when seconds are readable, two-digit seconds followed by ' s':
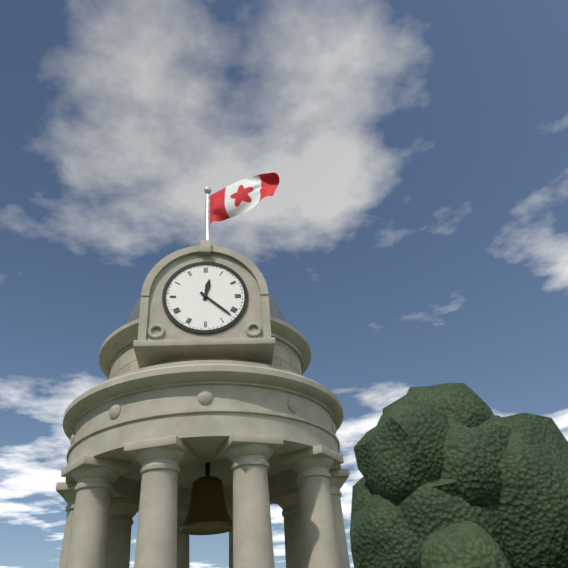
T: 12 h 22 min
